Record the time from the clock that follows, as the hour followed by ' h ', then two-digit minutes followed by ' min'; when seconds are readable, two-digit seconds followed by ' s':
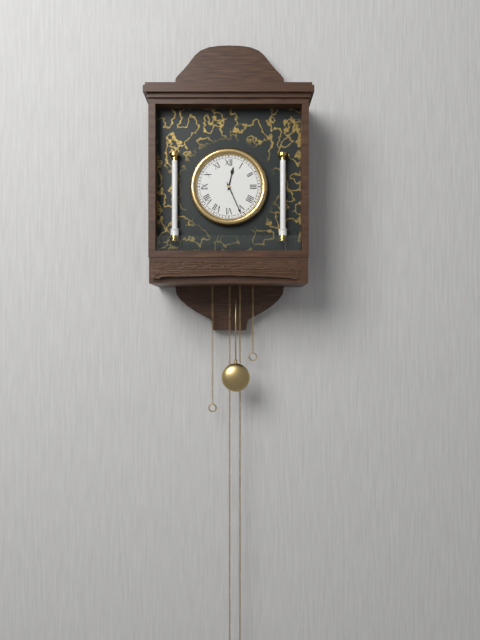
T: 12 h 26 min
